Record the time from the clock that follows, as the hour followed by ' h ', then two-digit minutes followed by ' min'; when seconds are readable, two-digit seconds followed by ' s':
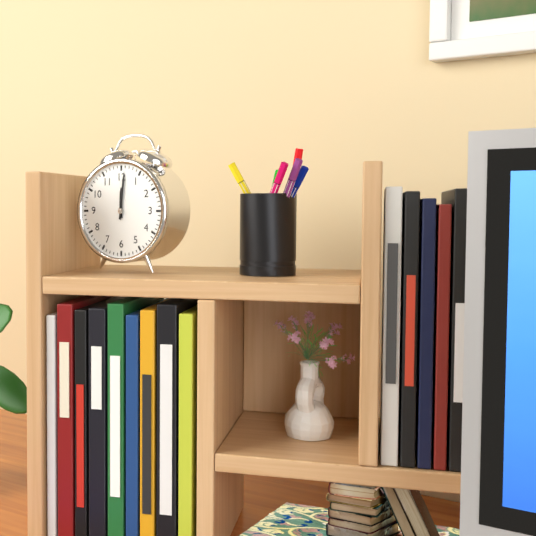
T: 12 h 01 min
